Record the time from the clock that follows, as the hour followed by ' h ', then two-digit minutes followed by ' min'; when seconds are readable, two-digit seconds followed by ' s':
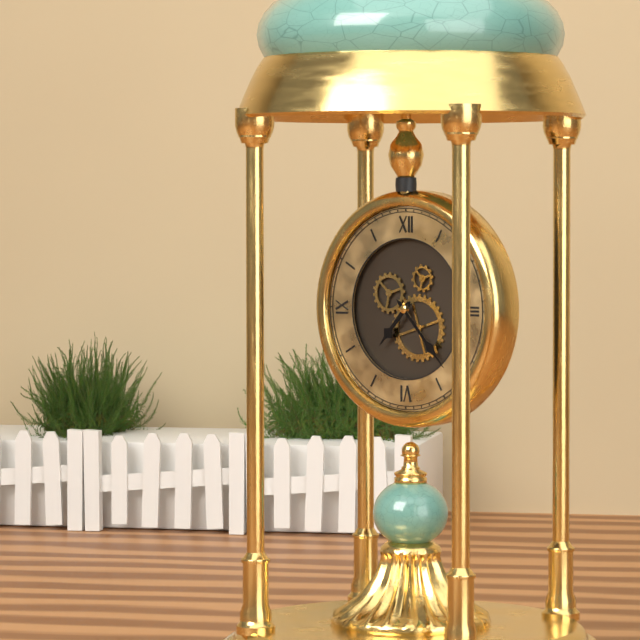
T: 7 h 23 min
